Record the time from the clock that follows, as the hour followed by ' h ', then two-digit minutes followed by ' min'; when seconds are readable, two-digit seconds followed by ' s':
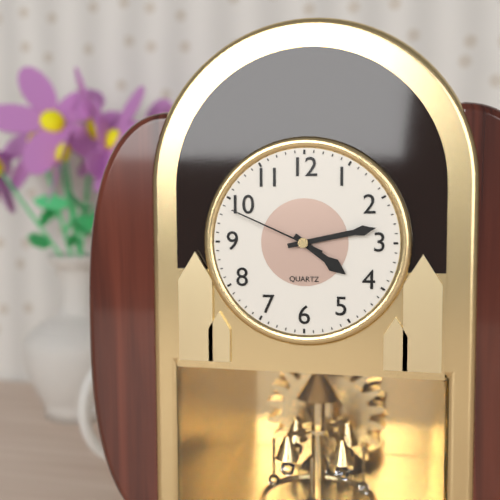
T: 4 h 13 min 49 s
